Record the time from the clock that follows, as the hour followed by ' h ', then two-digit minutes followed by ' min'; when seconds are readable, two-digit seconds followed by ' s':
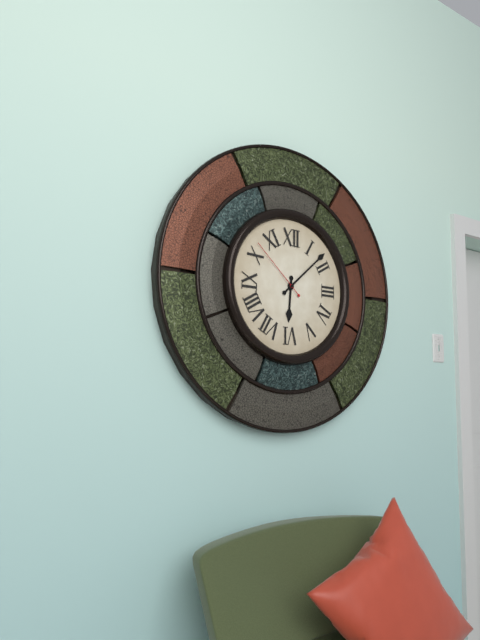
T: 6 h 08 min 52 s
